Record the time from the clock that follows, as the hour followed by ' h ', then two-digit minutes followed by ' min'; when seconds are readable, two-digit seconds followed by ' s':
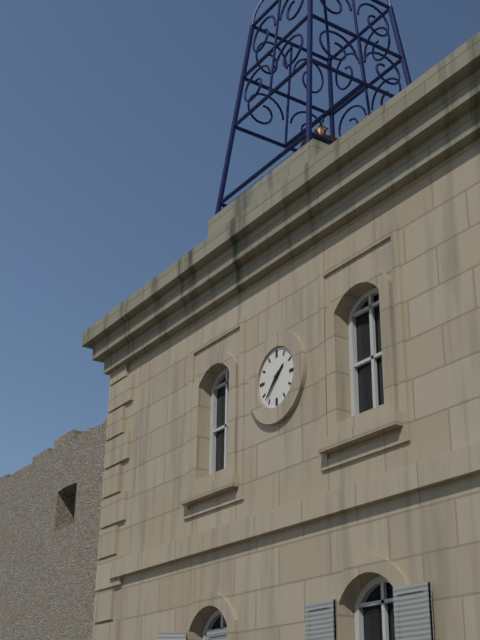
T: 1 h 37 min
